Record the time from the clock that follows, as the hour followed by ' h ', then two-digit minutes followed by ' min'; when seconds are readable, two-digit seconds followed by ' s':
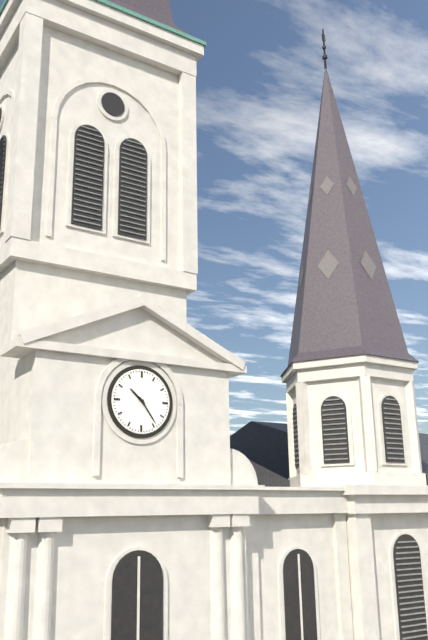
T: 10 h 24 min
